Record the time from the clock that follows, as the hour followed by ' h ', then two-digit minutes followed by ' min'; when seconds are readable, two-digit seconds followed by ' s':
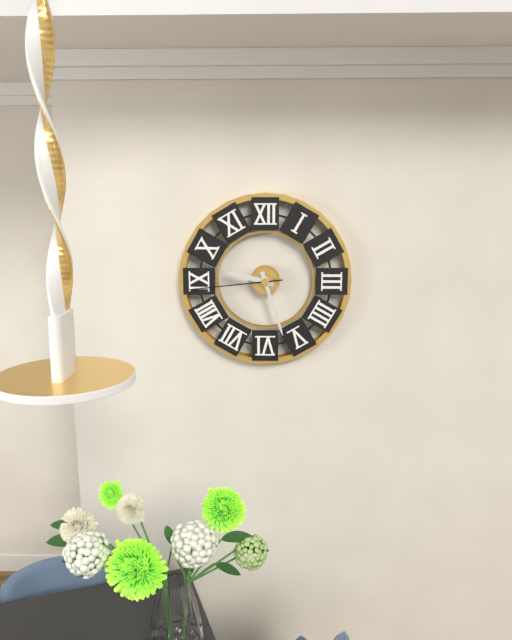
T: 9 h 27 min 44 s
